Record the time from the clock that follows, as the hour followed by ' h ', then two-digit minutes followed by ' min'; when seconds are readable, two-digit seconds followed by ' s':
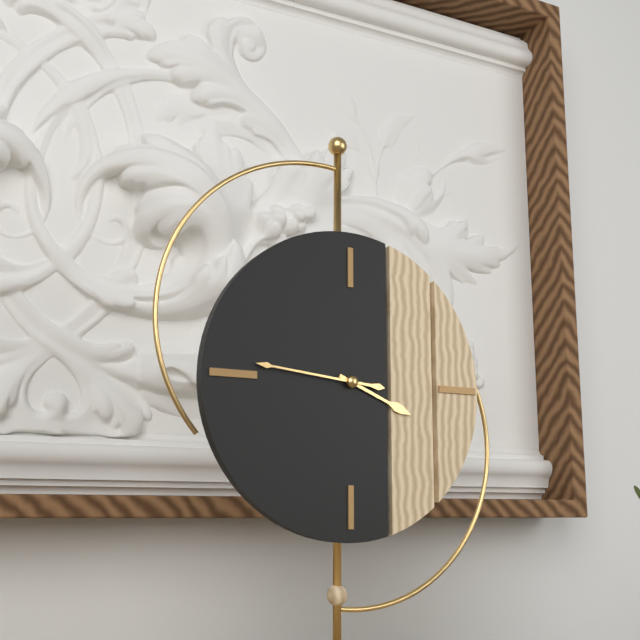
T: 3 h 46 min
